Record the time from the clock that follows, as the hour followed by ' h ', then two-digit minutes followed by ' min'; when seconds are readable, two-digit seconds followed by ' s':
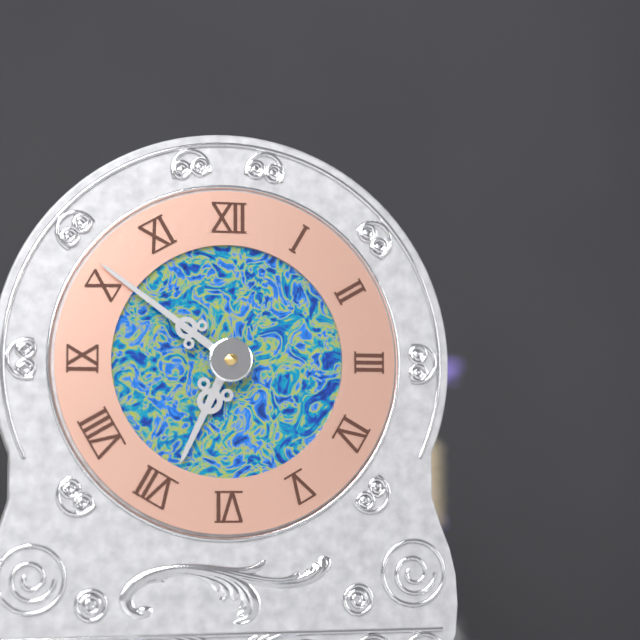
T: 6 h 51 min
